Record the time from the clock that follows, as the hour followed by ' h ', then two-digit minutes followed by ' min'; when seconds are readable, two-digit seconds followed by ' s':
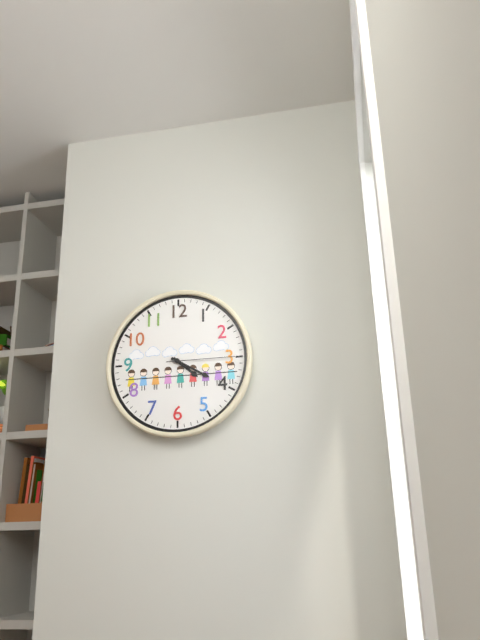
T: 4 h 20 min 15 s
